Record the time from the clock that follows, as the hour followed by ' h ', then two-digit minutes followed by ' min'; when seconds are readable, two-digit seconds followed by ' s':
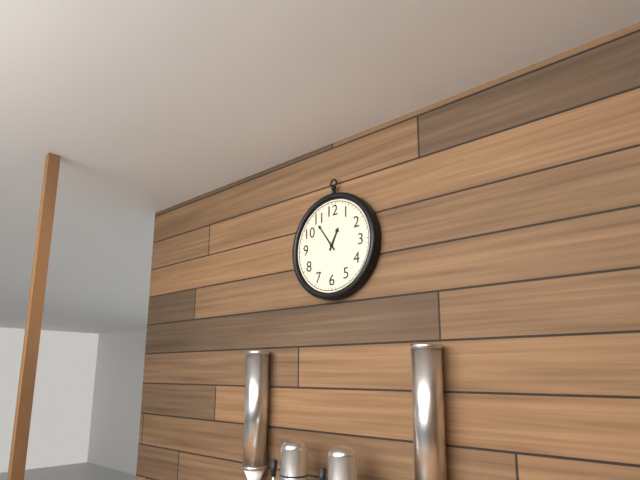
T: 12 h 54 min
